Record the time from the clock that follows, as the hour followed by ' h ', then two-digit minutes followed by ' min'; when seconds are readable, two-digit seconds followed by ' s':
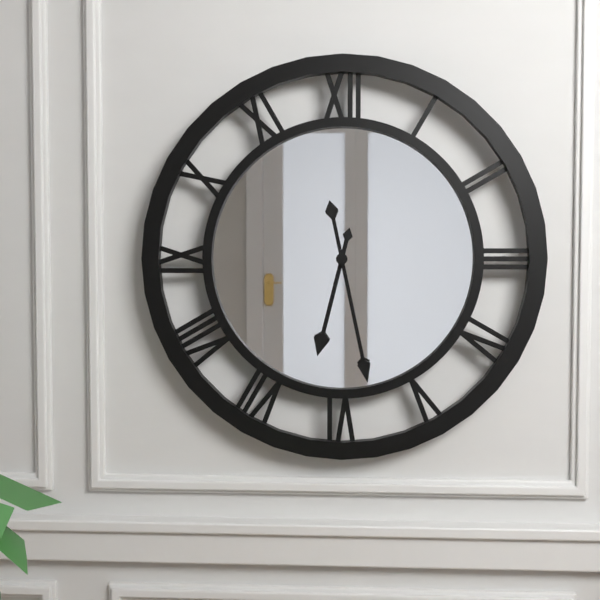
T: 6 h 28 min
